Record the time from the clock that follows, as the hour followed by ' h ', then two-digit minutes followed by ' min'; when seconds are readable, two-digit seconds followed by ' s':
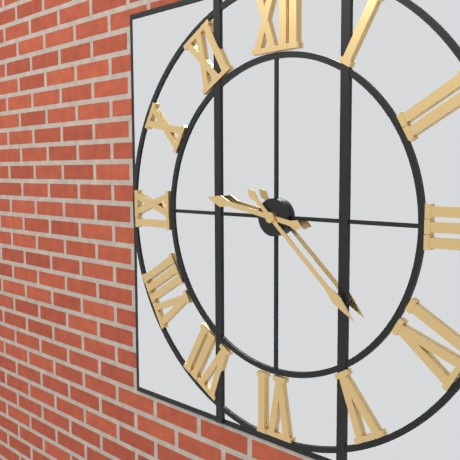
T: 9 h 22 min
